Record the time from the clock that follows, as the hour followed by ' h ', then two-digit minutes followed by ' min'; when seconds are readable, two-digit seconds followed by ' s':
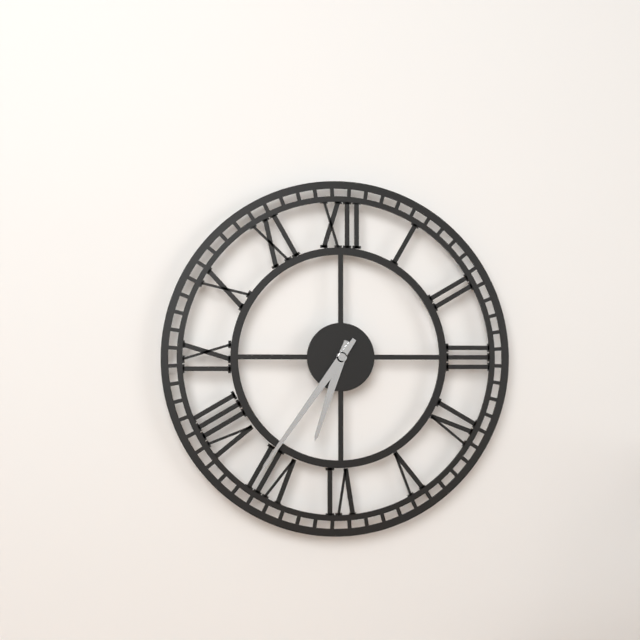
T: 6 h 36 min
